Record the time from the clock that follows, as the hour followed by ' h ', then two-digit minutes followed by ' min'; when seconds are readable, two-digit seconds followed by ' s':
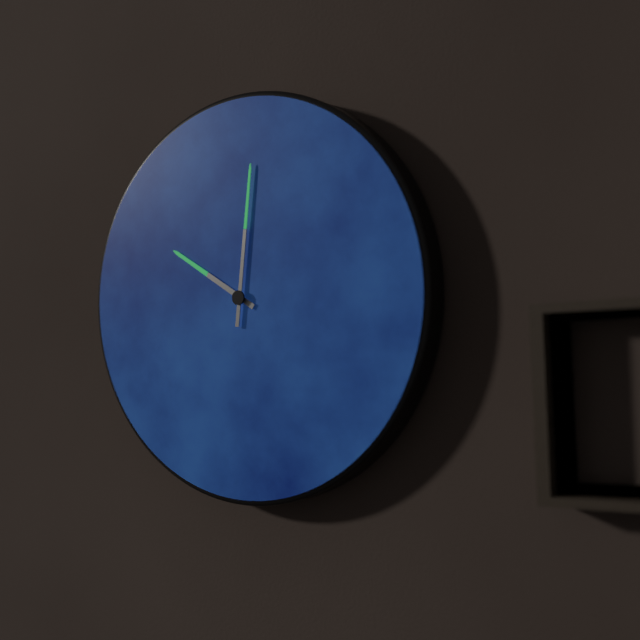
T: 10 h 01 min
